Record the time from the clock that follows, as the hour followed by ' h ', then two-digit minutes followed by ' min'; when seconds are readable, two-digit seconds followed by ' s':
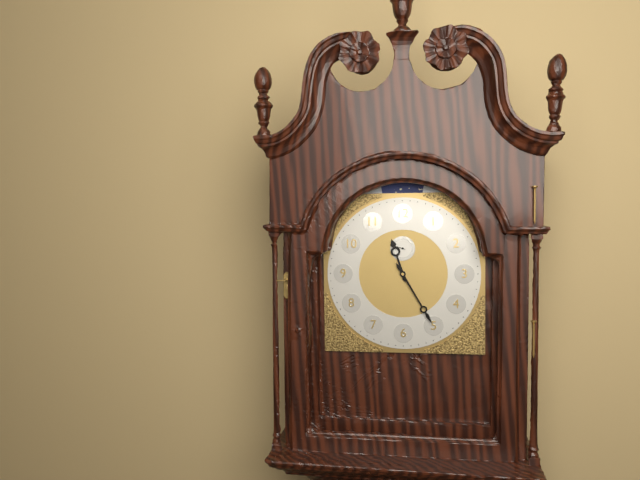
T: 11 h 25 min
